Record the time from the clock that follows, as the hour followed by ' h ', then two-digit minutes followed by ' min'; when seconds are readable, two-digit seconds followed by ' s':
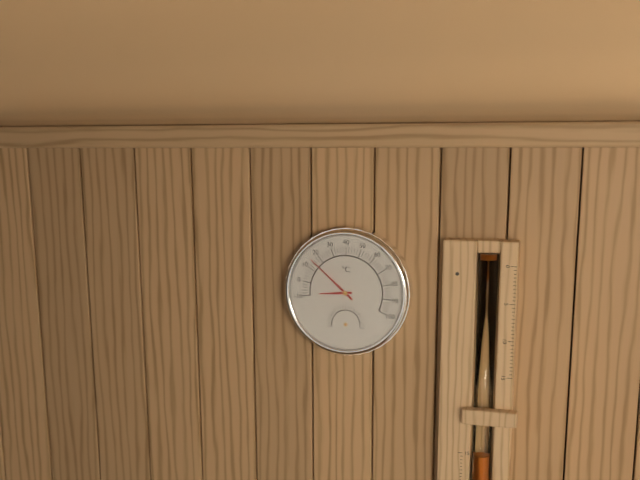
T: 8 h 52 min
